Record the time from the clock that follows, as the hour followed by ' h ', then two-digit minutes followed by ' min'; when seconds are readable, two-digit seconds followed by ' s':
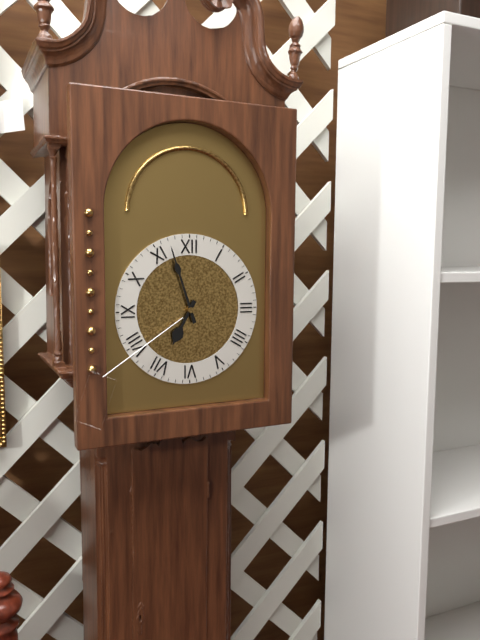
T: 6 h 57 min
